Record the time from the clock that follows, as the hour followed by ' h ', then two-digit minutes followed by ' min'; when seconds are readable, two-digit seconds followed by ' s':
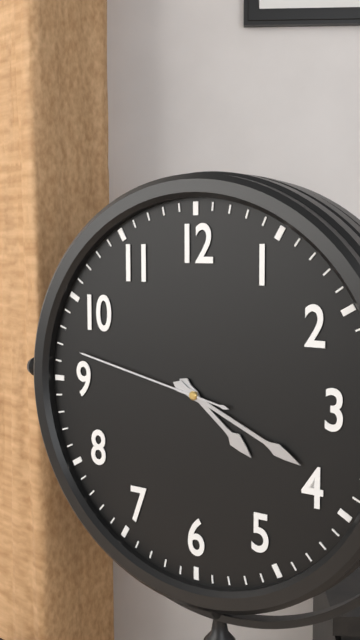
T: 4 h 19 min 47 s
